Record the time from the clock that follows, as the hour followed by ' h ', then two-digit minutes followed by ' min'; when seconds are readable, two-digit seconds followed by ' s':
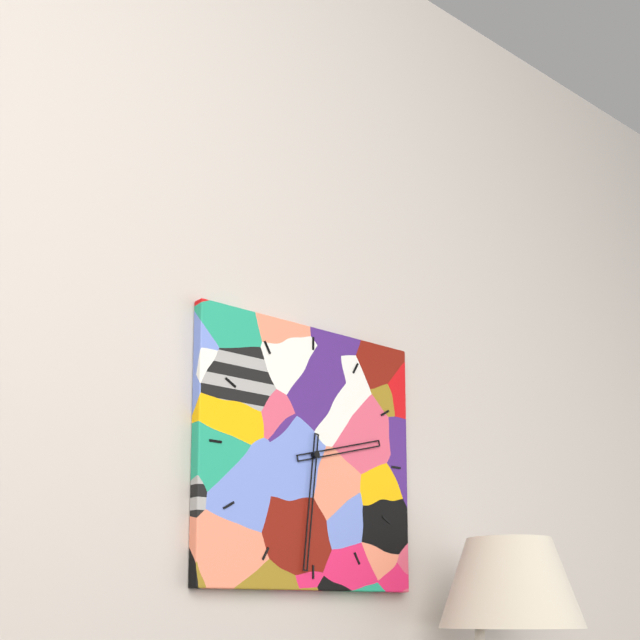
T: 2 h 31 min
